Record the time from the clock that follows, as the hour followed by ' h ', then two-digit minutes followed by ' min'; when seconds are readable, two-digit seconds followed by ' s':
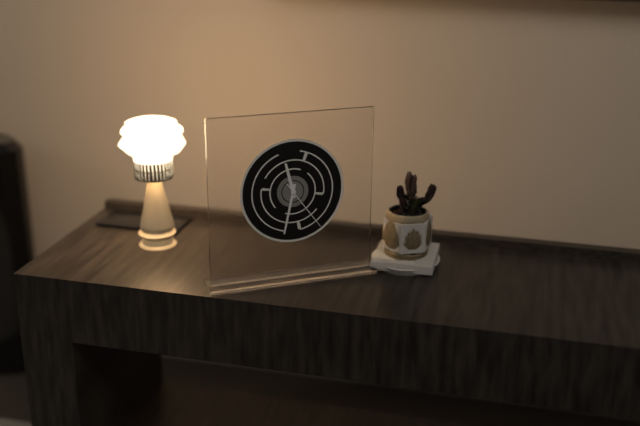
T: 11 h 32 min 24 s
